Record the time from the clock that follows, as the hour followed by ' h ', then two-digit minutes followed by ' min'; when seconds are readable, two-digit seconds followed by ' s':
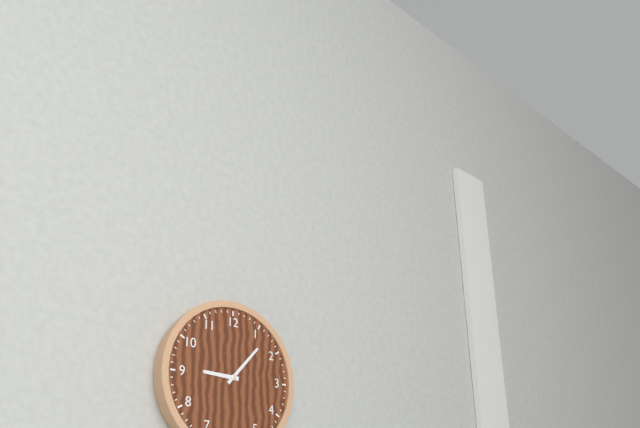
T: 9 h 07 min
